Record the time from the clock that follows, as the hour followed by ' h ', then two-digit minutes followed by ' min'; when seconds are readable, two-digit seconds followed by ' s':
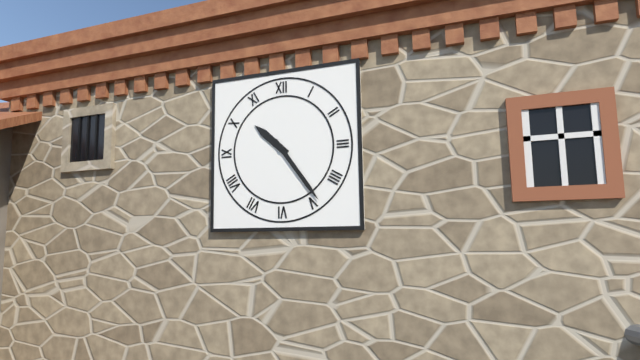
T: 10 h 24 min
